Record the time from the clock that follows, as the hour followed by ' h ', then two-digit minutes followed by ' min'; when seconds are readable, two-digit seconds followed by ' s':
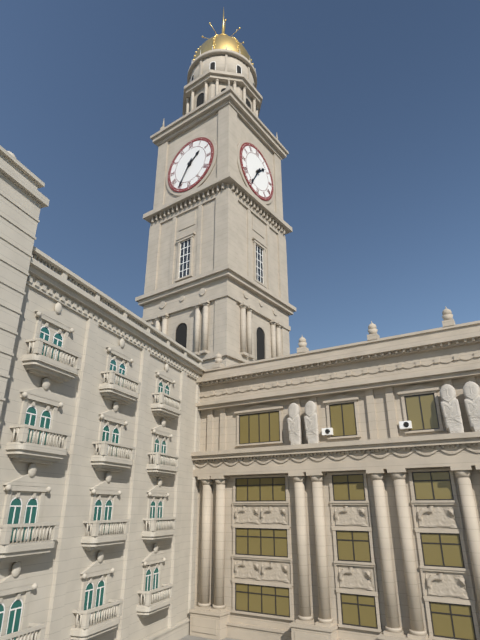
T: 1 h 35 min
